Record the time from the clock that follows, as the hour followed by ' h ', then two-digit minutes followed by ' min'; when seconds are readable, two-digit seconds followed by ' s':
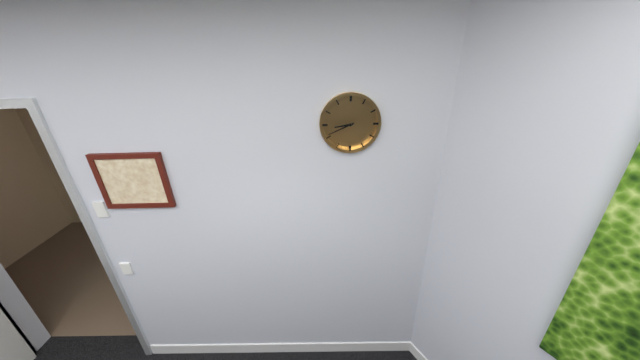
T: 8 h 41 min
